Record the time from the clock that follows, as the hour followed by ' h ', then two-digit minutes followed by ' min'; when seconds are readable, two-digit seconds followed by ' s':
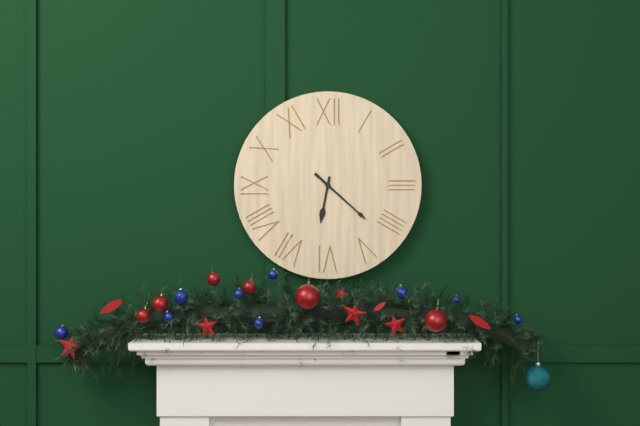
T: 6 h 22 min
